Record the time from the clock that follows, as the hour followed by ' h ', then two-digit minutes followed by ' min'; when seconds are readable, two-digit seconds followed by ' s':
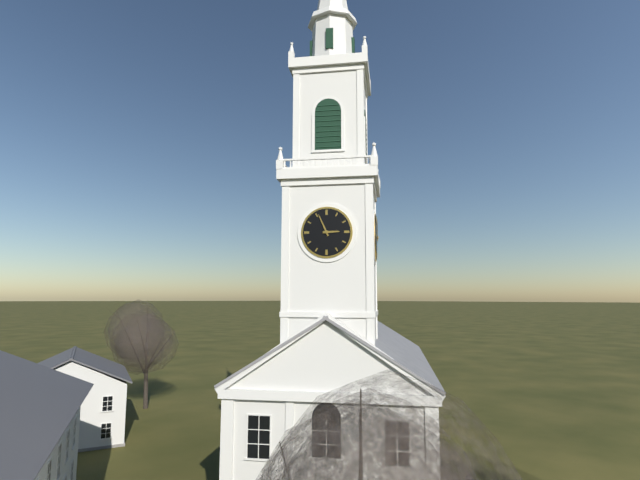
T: 2 h 56 min
